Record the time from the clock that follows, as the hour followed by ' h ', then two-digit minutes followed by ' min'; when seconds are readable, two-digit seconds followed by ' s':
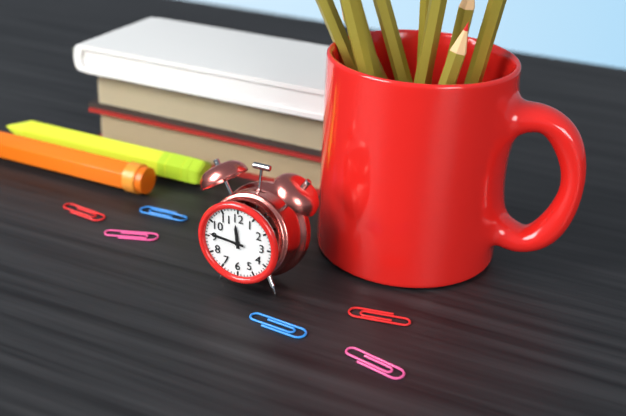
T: 11 h 46 min
